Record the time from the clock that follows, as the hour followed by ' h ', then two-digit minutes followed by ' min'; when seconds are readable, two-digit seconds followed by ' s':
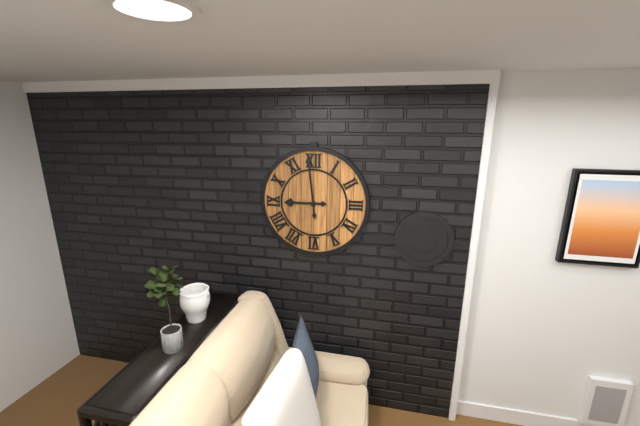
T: 8 h 59 min
